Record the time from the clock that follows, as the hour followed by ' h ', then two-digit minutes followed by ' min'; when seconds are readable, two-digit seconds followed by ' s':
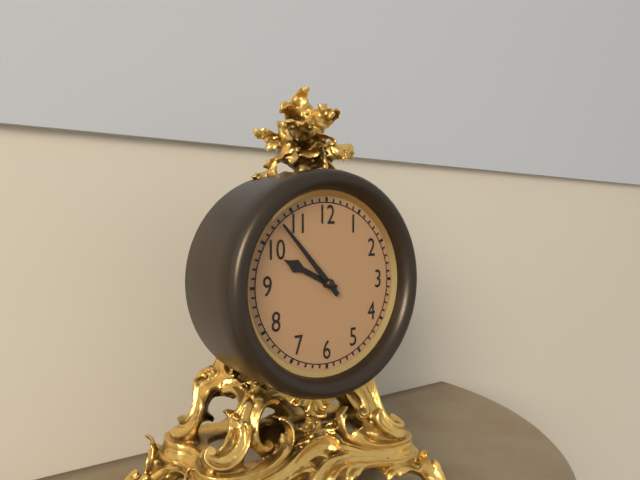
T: 9 h 53 min
